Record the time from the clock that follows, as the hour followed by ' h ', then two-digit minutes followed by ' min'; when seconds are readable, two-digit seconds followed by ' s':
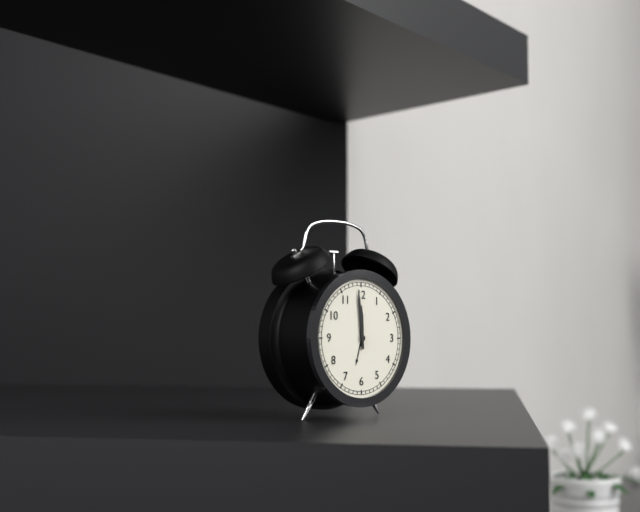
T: 11 h 59 min
